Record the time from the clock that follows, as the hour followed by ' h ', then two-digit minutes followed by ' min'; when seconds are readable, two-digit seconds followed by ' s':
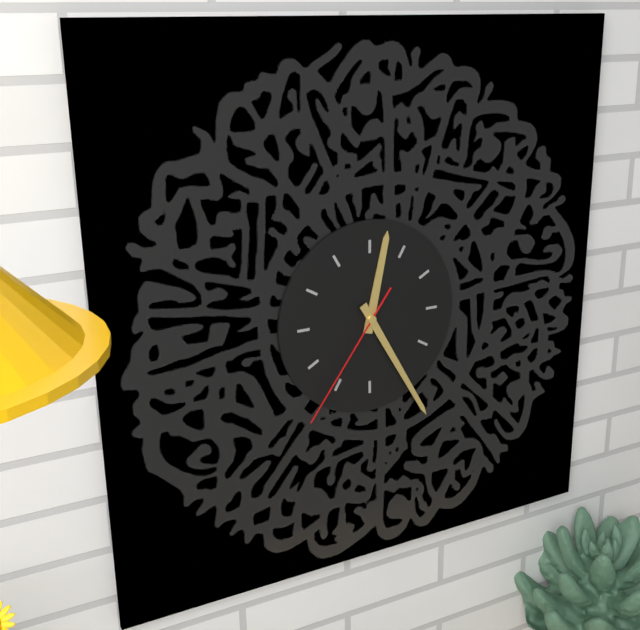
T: 12 h 25 min 36 s
